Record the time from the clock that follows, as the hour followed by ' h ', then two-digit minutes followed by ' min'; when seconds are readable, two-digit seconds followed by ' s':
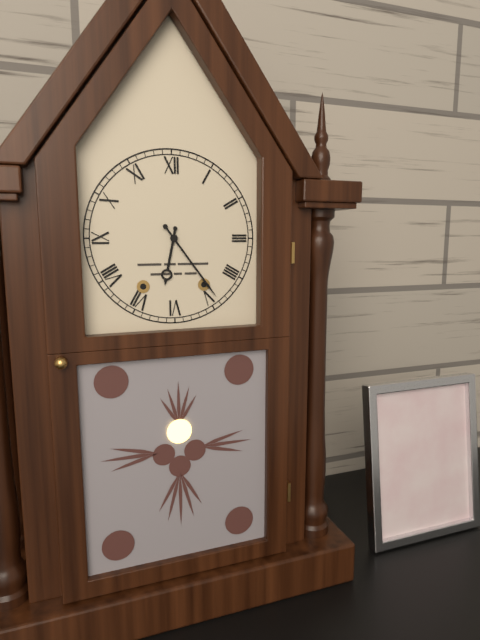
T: 6 h 24 min
